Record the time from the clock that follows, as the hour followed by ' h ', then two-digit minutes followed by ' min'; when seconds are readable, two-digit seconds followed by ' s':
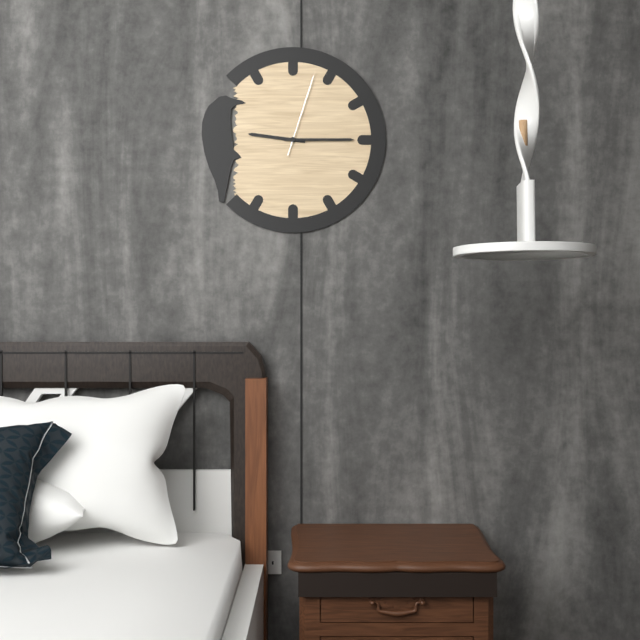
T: 9 h 15 min 03 s
